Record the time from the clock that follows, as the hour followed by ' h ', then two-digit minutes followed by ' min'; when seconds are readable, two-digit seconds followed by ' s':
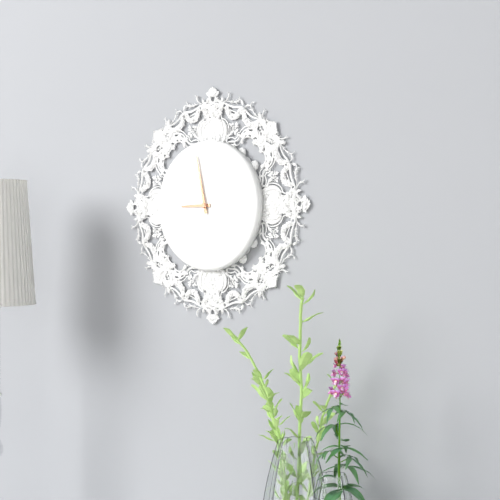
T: 8 h 58 min
